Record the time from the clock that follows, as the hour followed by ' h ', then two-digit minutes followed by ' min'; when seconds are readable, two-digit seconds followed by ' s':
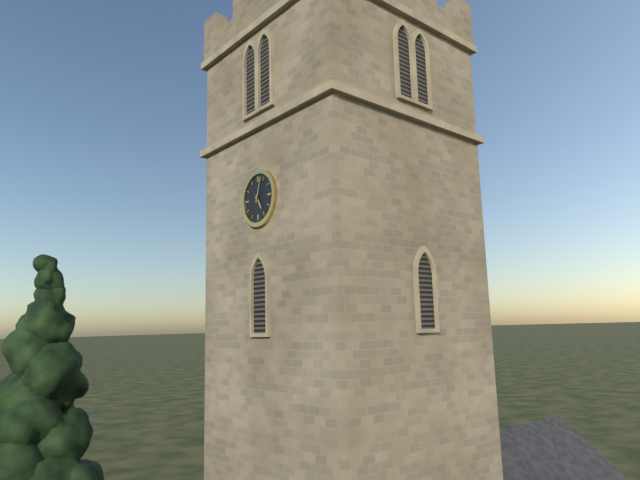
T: 5 h 03 min
